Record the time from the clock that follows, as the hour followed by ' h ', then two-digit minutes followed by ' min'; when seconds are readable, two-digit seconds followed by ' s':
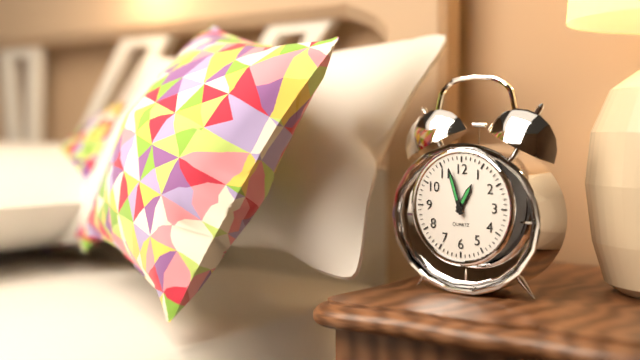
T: 12 h 57 min
